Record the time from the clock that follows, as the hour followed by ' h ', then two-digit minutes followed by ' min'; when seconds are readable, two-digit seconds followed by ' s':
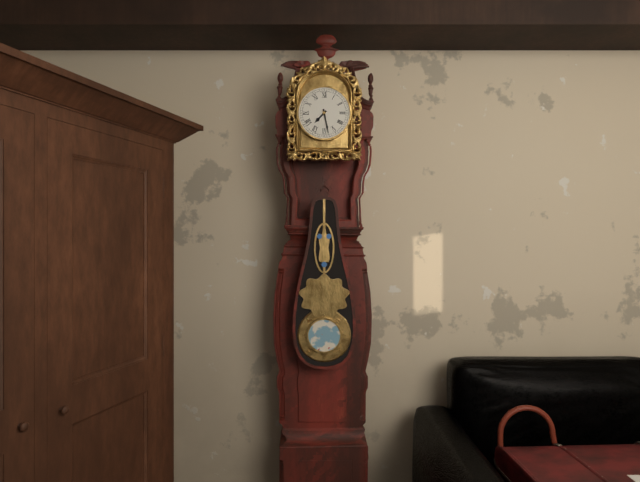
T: 7 h 28 min
